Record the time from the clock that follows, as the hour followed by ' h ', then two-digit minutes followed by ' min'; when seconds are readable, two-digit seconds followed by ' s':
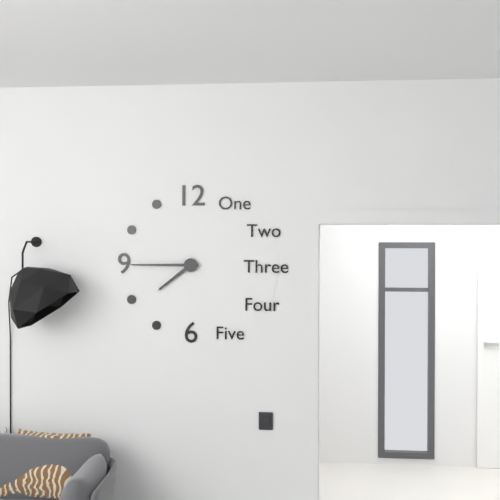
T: 7 h 45 min
